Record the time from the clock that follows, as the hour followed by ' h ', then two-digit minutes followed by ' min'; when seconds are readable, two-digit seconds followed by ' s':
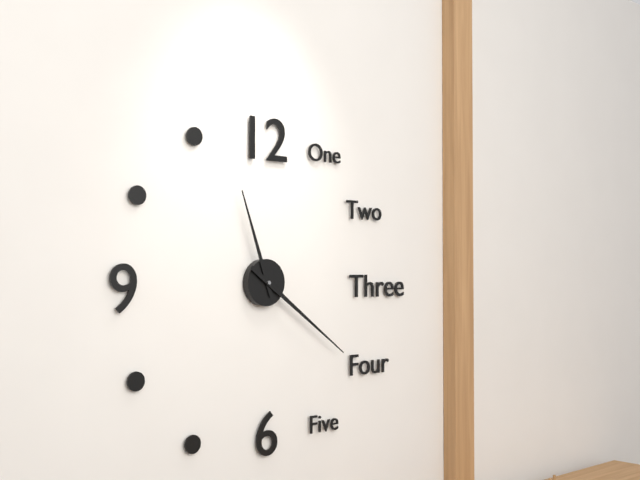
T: 11 h 21 min
